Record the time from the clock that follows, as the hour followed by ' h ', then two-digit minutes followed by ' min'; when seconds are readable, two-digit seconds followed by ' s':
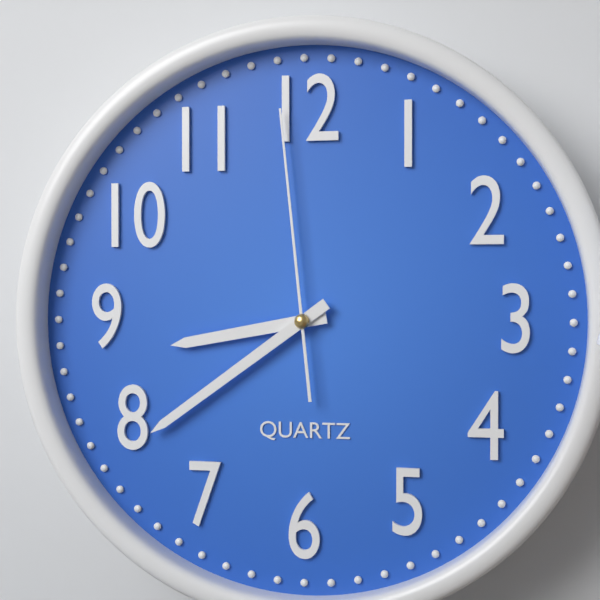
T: 8 h 39 min 59 s
